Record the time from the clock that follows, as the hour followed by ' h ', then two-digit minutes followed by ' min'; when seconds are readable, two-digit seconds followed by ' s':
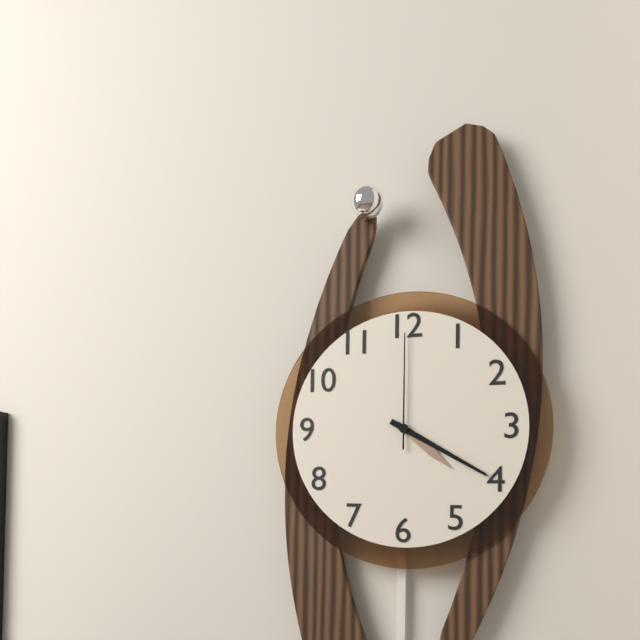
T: 4 h 20 min 00 s
